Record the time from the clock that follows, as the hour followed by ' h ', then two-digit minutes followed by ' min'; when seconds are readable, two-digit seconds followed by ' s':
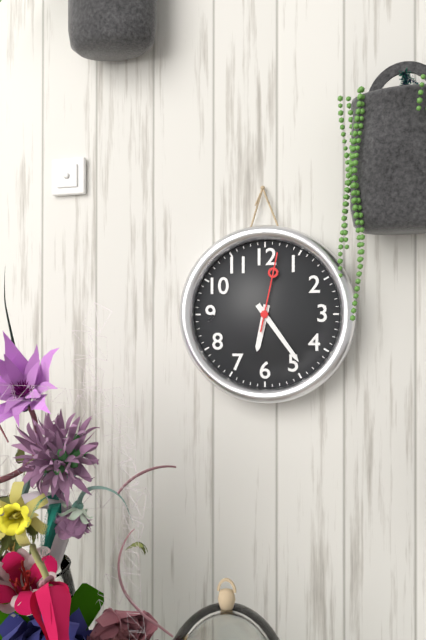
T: 6 h 24 min 02 s
